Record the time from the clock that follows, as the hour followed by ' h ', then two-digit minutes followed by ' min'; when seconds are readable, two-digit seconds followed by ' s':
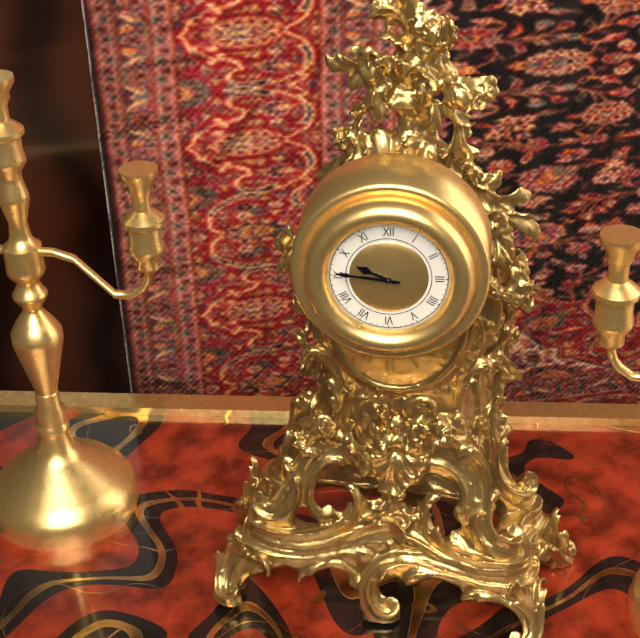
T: 9 h 46 min
